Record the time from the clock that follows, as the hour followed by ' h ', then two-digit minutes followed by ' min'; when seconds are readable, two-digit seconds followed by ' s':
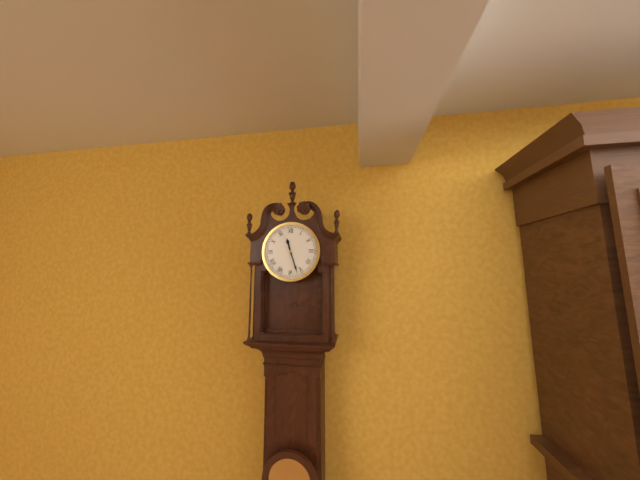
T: 11 h 27 min
